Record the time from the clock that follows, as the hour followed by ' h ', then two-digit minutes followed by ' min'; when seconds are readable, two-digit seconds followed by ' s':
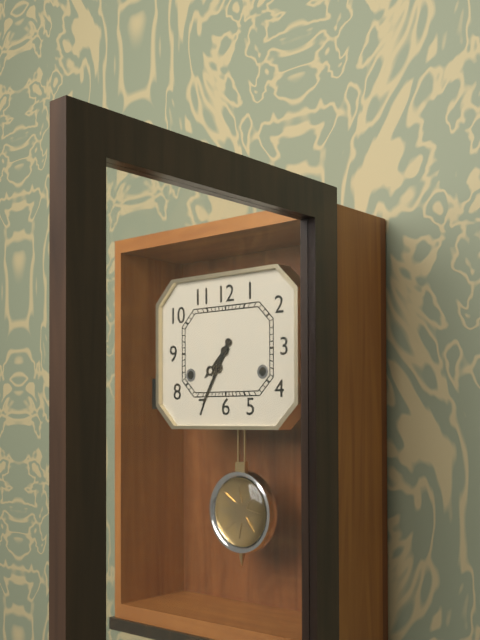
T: 7 h 35 min
